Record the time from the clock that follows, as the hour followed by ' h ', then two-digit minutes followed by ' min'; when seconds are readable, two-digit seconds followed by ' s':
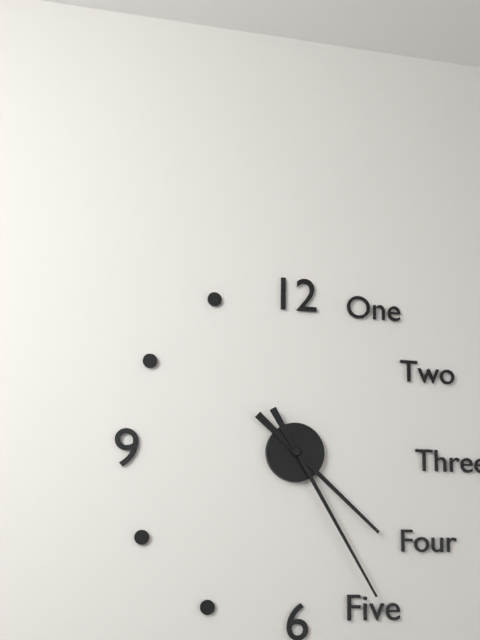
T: 4 h 25 min
